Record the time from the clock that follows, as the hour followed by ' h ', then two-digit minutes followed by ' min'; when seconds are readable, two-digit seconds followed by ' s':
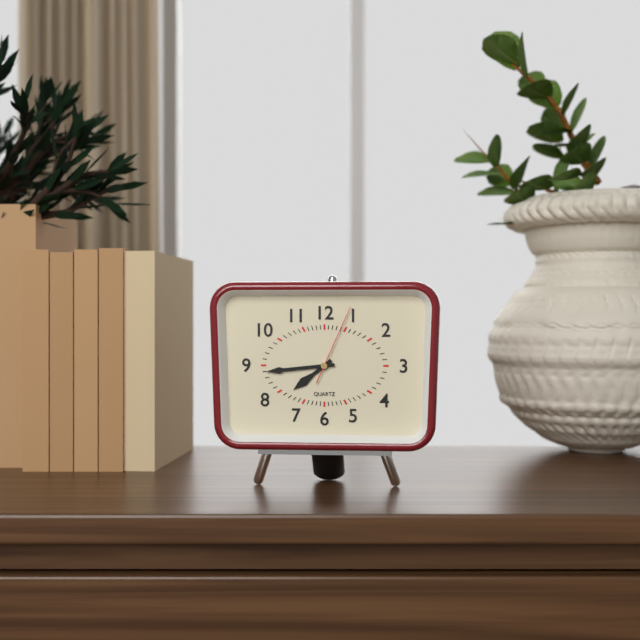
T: 7 h 44 min 04 s
